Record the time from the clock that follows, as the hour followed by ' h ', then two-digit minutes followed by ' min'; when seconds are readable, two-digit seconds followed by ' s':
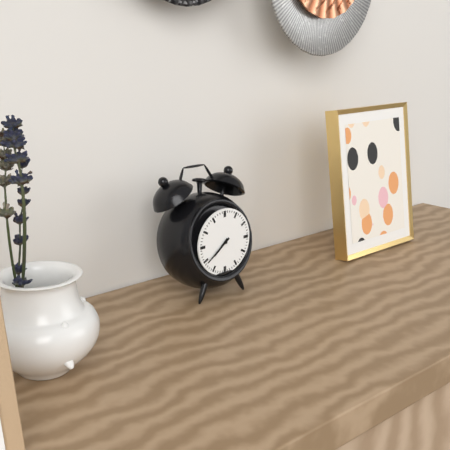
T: 7 h 39 min
